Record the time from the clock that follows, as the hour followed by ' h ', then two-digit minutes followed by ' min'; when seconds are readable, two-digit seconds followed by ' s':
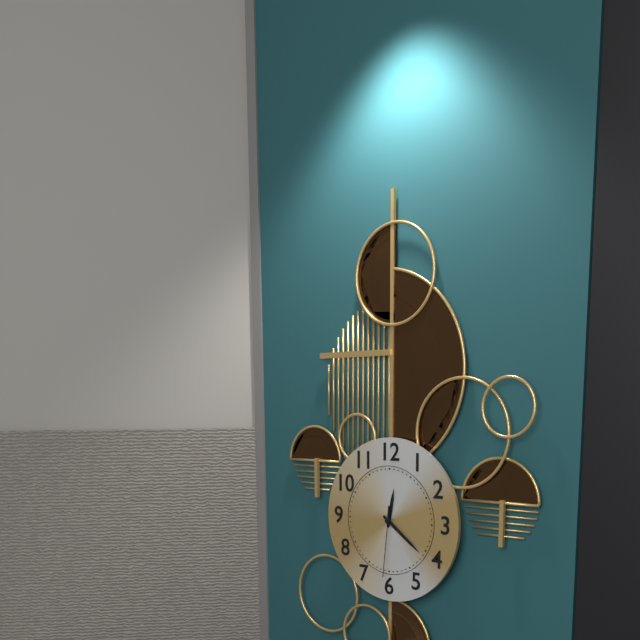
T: 12 h 21 min 31 s
